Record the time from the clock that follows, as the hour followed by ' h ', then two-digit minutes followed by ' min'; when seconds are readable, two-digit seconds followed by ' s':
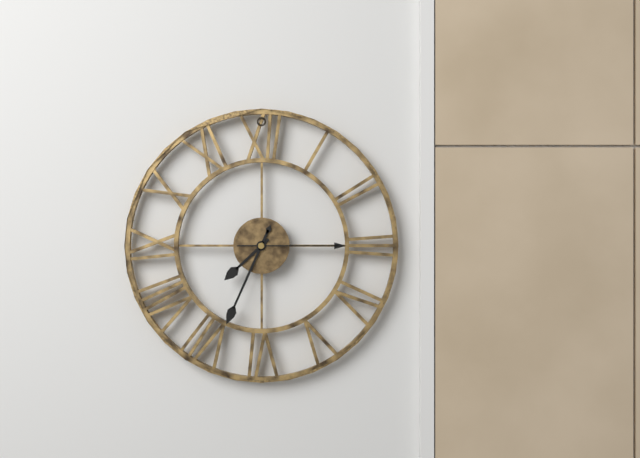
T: 7 h 34 min 15 s
